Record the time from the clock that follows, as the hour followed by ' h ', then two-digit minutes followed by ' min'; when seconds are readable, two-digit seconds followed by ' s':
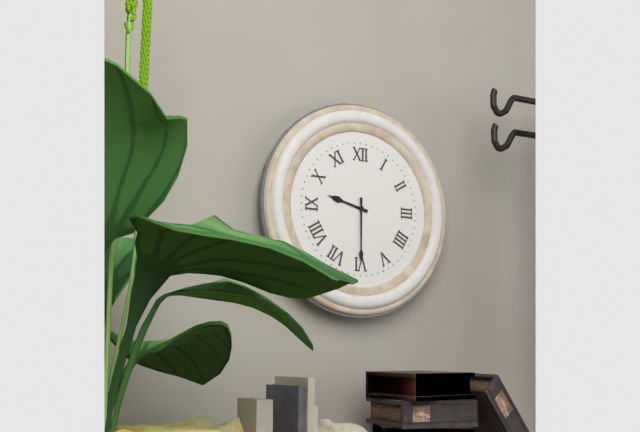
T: 9 h 30 min
